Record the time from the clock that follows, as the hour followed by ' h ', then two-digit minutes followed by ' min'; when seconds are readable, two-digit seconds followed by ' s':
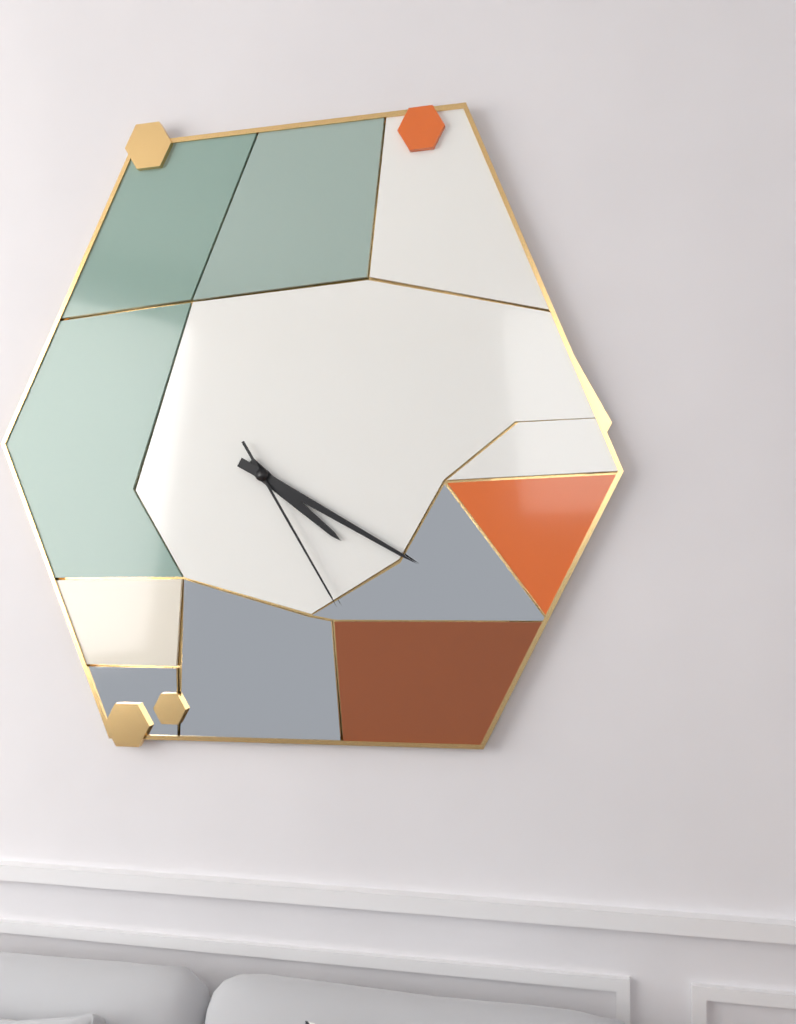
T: 4 h 20 min 25 s
